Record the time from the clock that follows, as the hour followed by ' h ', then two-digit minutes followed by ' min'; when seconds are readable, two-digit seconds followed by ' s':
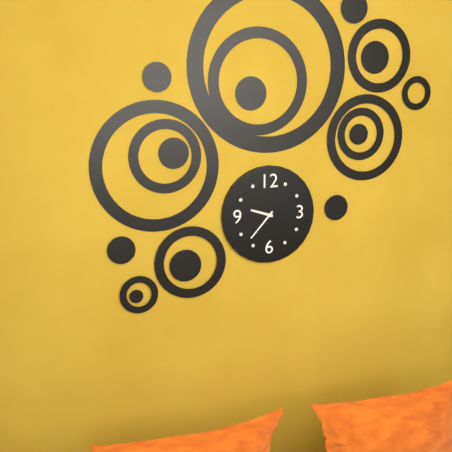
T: 9 h 37 min
